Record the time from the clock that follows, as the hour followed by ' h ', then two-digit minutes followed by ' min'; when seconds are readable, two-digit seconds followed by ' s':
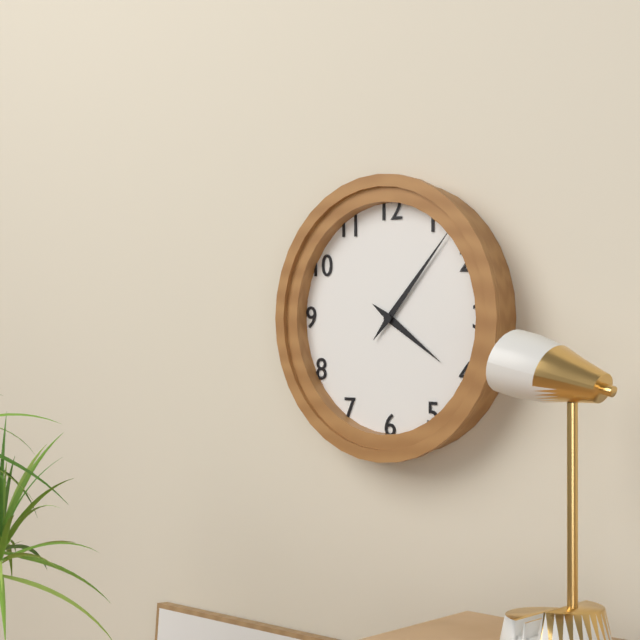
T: 4 h 07 min
